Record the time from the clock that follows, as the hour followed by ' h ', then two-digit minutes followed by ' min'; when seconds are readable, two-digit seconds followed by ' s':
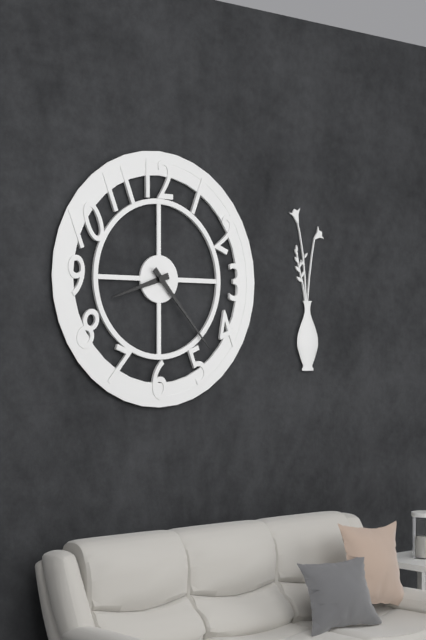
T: 8 h 23 min
